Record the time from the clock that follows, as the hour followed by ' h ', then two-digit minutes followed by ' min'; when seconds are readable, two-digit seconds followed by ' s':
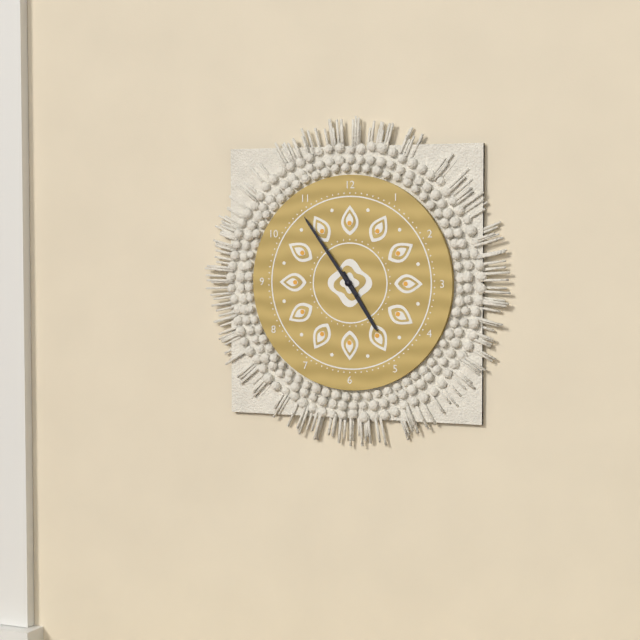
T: 4 h 54 min
